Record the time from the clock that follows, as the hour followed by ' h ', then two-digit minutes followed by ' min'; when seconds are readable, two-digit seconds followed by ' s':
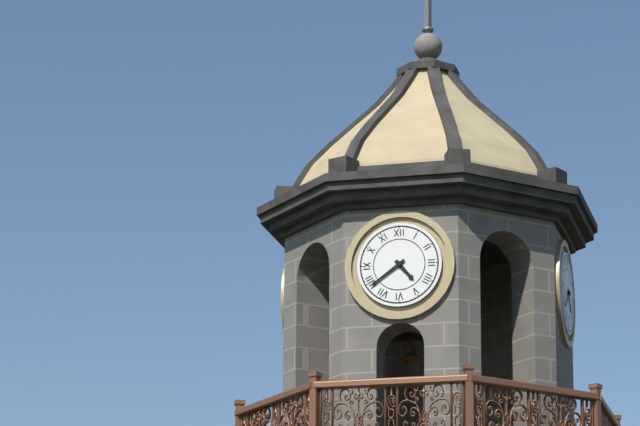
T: 4 h 39 min
